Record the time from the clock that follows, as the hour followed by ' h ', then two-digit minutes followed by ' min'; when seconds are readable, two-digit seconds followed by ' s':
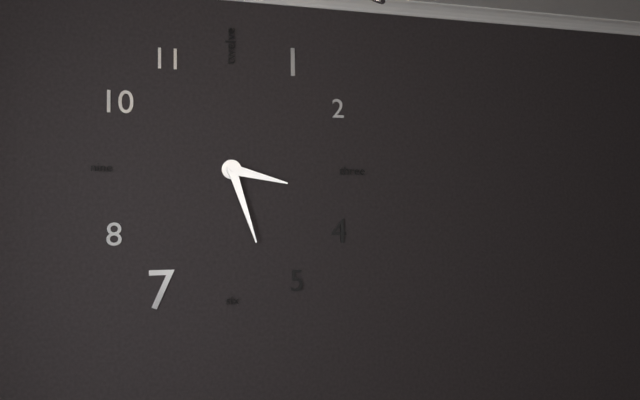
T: 3 h 27 min
